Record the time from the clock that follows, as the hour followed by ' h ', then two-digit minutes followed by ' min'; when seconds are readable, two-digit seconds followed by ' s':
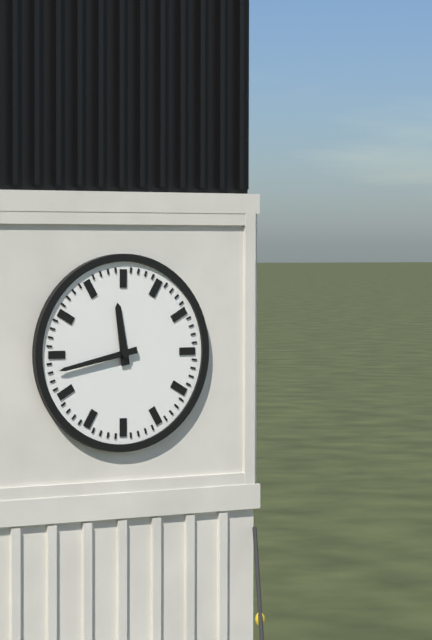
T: 11 h 43 min
